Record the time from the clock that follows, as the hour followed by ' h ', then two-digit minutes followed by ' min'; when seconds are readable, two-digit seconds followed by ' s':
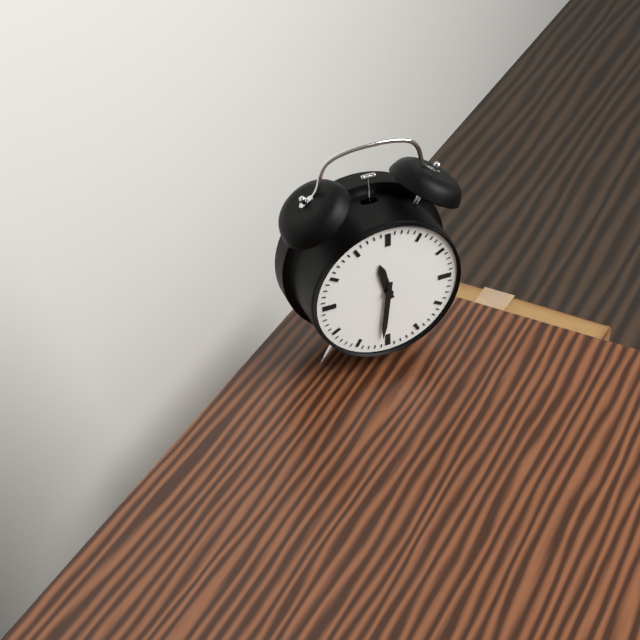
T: 11 h 31 min
